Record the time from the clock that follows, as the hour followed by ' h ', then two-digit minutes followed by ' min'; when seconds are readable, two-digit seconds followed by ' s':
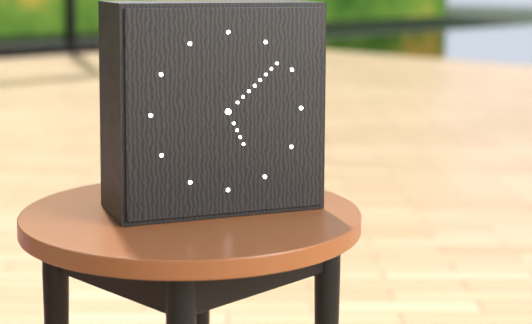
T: 5 h 08 min
